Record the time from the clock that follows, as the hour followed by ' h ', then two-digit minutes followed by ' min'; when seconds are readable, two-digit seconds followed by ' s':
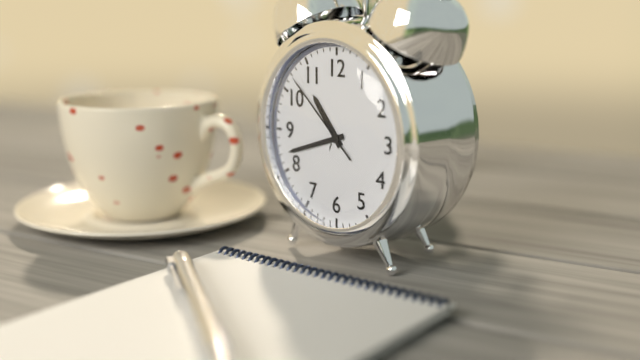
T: 10 h 42 min 52 s
